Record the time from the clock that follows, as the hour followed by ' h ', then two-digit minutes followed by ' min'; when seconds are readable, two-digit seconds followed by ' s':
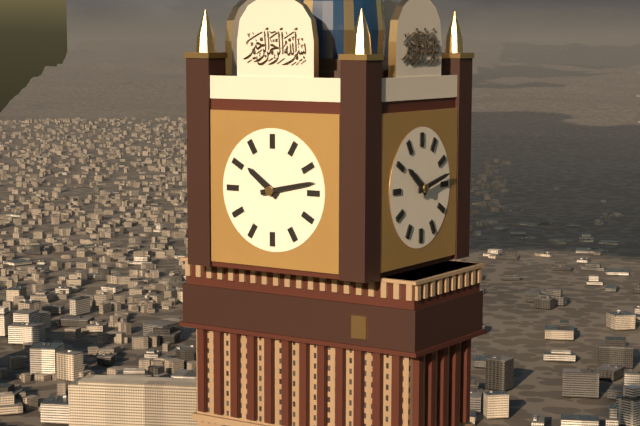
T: 10 h 13 min
